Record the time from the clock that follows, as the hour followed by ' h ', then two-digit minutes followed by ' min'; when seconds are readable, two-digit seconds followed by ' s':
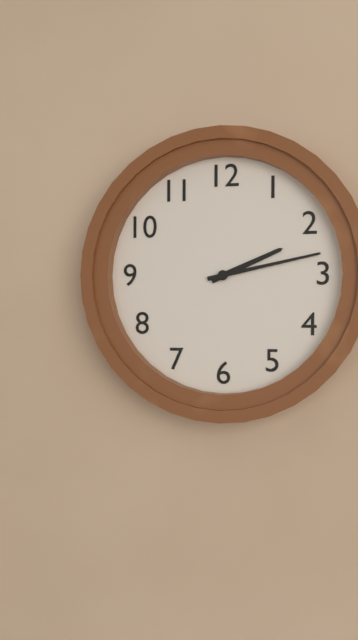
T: 2 h 13 min
